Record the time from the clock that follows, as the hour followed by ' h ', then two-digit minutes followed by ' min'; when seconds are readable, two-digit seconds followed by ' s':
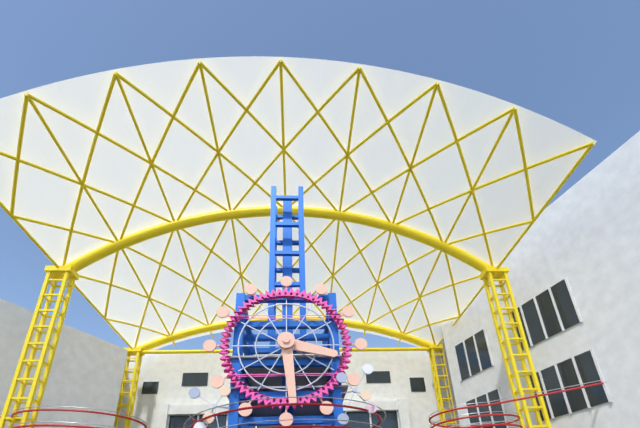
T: 3 h 29 min
